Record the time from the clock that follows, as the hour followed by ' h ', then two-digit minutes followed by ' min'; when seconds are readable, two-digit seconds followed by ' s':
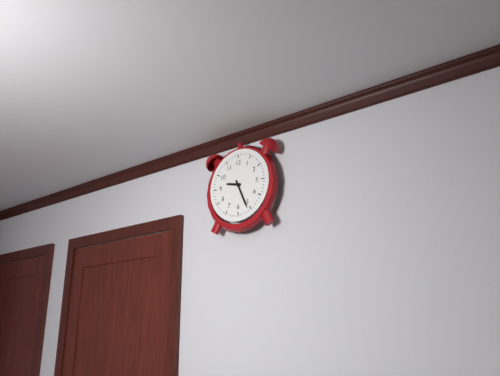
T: 9 h 26 min
